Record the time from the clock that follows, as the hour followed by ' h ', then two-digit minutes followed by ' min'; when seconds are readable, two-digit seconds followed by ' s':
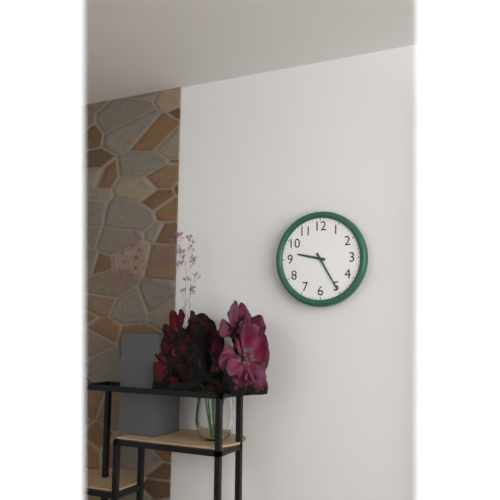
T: 9 h 25 min
